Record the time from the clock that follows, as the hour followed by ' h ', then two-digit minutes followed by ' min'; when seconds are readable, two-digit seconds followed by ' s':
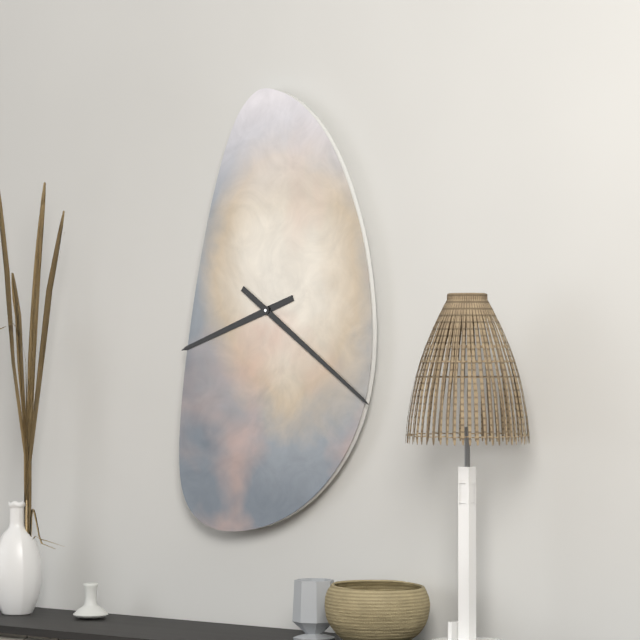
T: 8 h 21 min
